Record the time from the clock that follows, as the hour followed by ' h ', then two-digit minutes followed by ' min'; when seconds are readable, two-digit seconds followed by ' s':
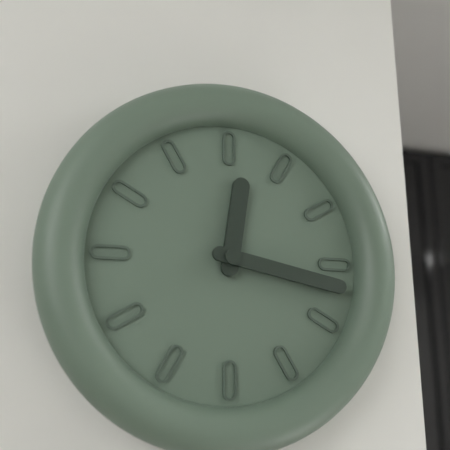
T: 12 h 17 min
